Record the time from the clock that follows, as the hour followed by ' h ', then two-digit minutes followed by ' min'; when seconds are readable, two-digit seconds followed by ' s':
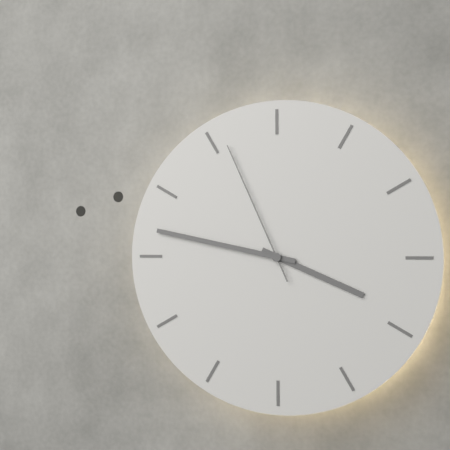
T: 3 h 47 min 56 s
